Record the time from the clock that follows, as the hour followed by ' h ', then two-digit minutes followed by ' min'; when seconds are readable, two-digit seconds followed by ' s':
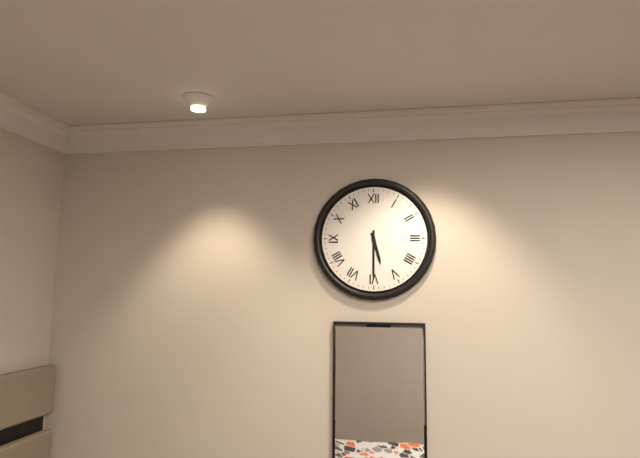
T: 5 h 30 min
